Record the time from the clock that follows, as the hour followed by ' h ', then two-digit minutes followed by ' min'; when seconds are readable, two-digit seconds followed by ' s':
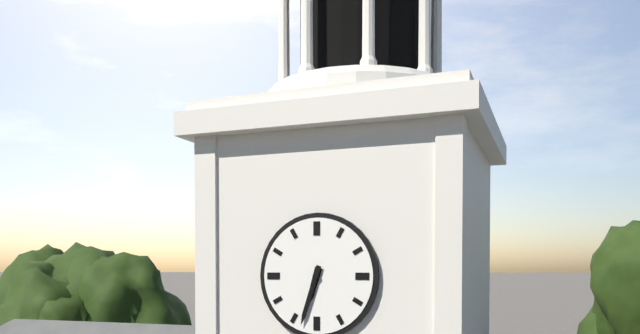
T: 6 h 33 min
